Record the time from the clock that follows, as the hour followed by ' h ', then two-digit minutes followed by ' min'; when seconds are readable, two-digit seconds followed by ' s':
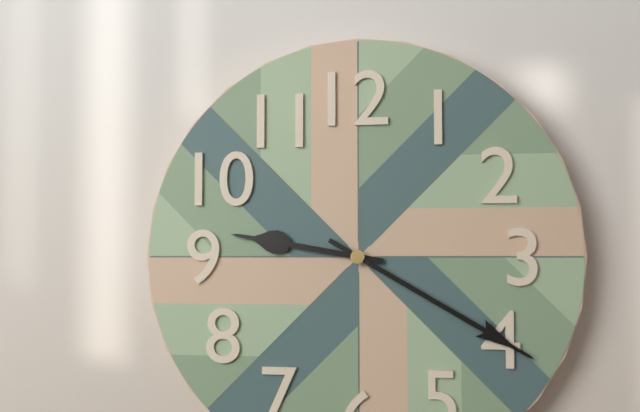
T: 9 h 20 min
